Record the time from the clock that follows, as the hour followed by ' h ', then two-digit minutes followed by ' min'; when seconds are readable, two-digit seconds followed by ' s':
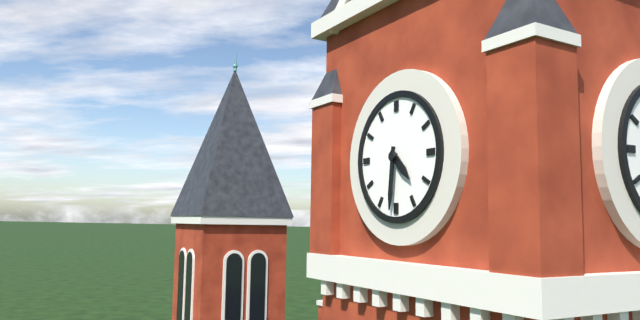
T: 4 h 31 min
